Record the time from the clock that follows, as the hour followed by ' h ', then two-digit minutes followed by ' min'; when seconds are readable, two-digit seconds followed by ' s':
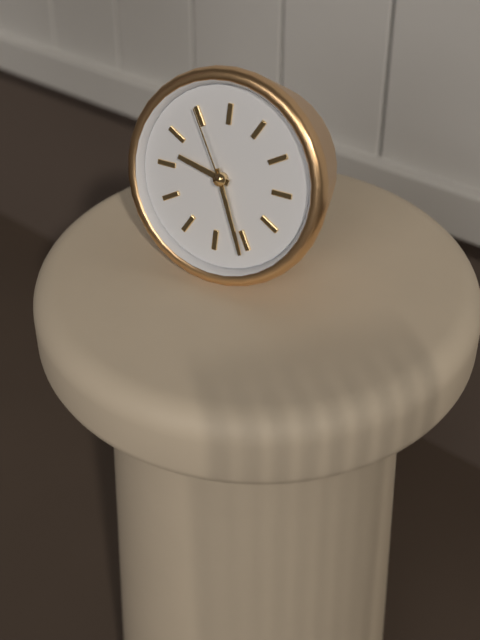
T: 9 h 26 min 55 s
